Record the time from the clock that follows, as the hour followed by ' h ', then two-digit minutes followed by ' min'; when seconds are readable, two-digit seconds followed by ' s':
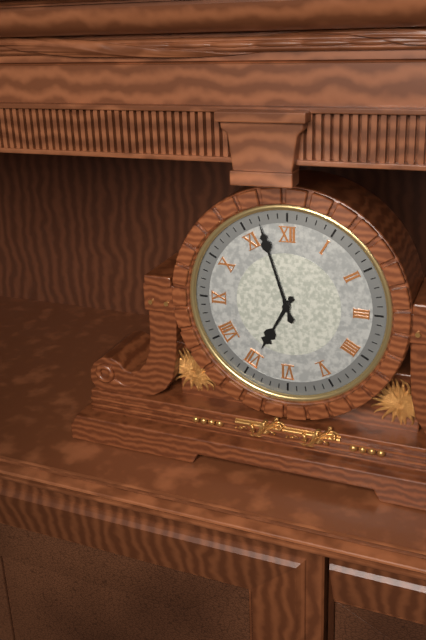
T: 6 h 57 min
